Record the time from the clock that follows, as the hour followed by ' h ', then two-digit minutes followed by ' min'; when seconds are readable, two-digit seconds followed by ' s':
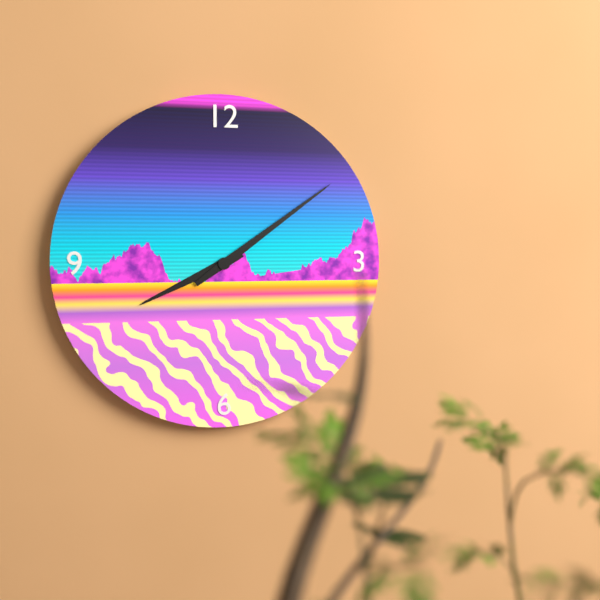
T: 8 h 09 min
